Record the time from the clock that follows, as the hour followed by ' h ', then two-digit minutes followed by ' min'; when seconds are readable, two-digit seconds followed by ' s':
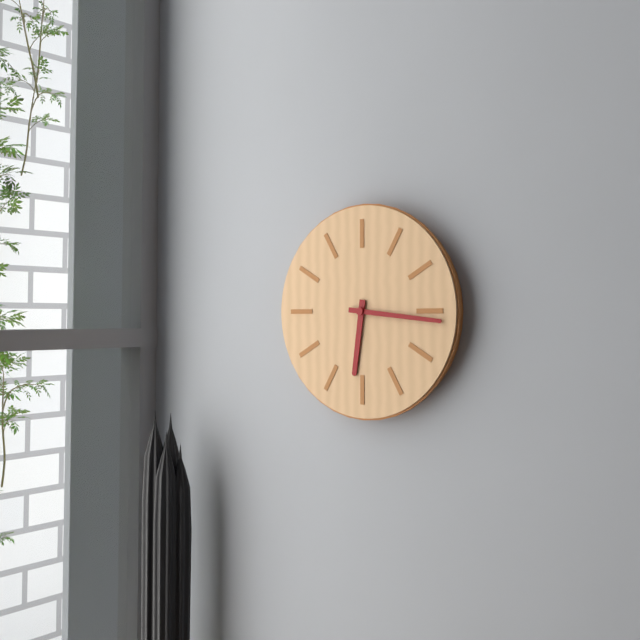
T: 6 h 16 min
